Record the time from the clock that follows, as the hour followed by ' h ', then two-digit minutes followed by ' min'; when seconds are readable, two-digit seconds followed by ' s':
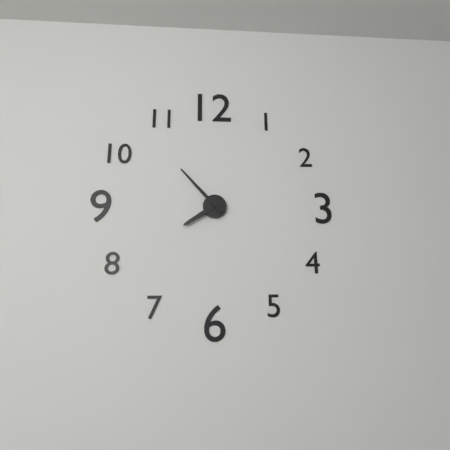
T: 7 h 53 min
